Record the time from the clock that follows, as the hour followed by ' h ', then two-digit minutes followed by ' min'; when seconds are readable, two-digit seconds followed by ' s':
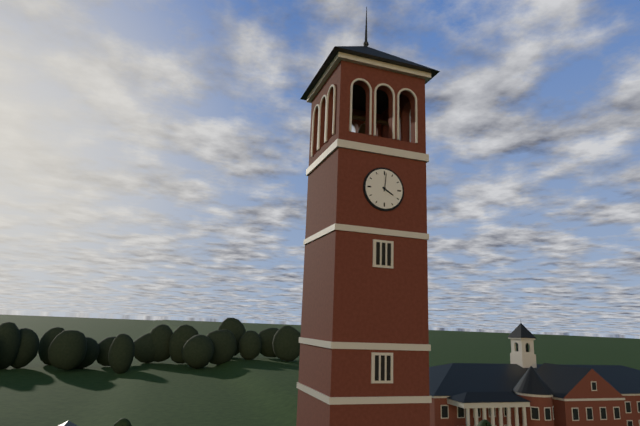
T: 4 h 01 min
